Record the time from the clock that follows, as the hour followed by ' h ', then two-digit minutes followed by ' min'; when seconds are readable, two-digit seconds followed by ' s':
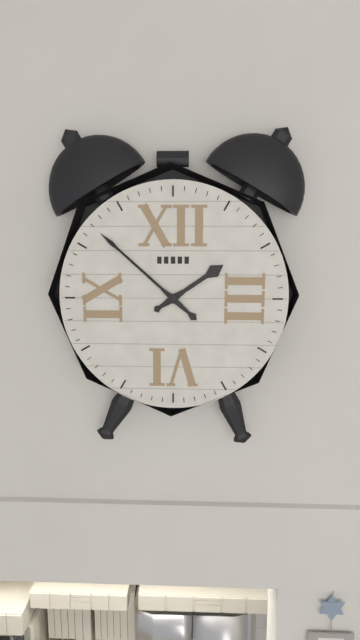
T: 1 h 52 min
